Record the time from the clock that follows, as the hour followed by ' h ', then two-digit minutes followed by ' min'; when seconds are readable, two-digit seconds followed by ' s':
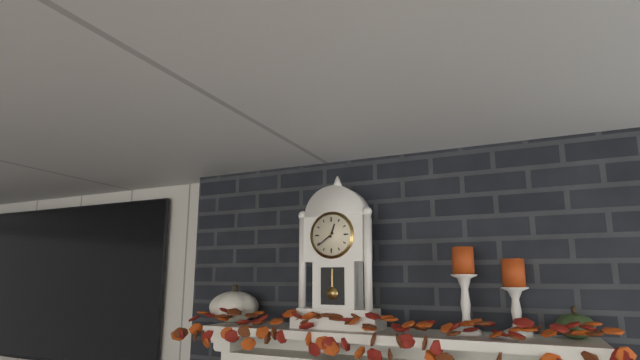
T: 12 h 39 min
